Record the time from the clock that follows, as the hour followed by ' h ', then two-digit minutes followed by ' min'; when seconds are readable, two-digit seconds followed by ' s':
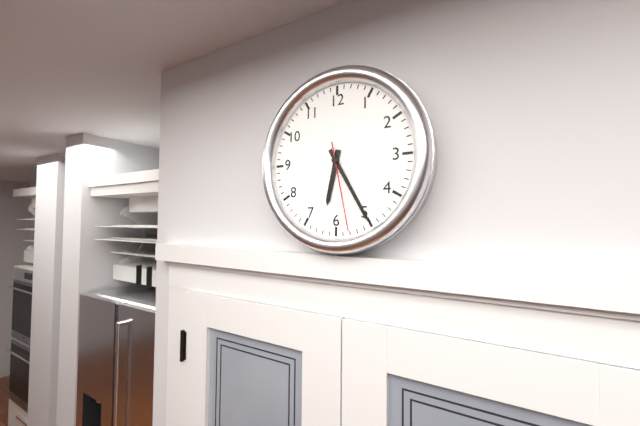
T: 6 h 25 min 28 s
